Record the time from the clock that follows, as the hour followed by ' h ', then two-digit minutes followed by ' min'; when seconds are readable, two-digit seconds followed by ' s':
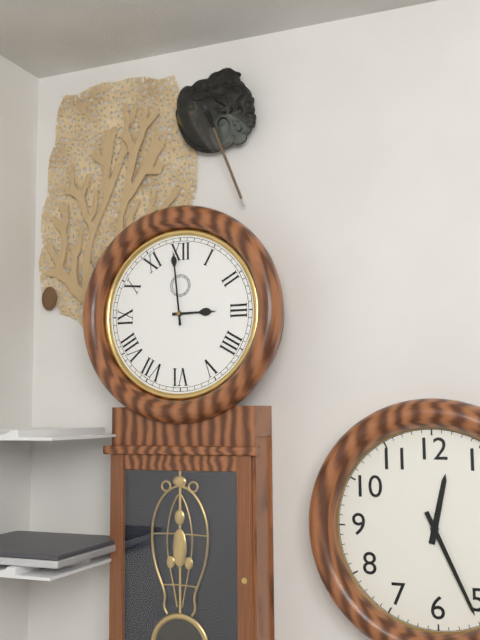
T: 2 h 59 min
